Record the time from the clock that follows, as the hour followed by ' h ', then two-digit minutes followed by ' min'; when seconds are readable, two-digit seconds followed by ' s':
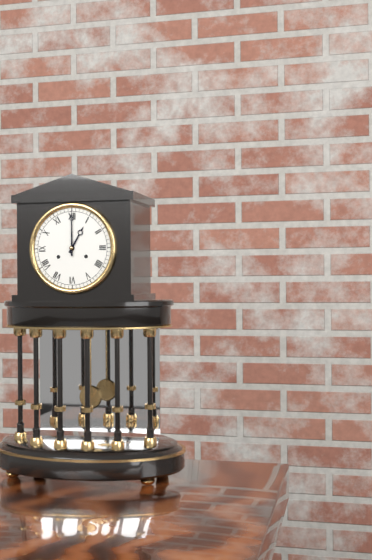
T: 1 h 00 min
